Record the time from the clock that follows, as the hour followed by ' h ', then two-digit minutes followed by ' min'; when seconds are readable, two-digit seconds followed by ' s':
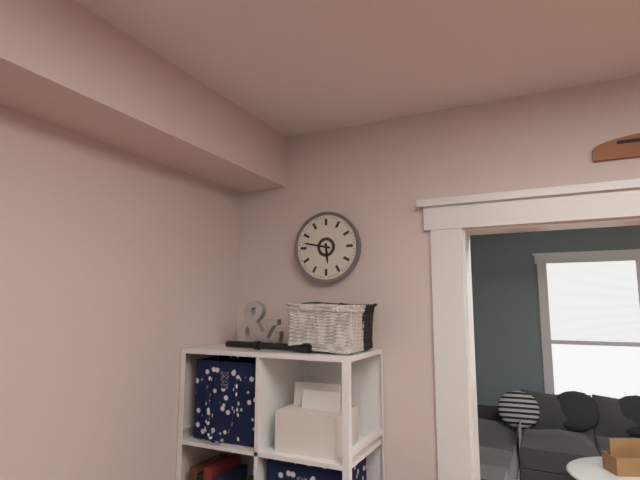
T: 5 h 47 min
